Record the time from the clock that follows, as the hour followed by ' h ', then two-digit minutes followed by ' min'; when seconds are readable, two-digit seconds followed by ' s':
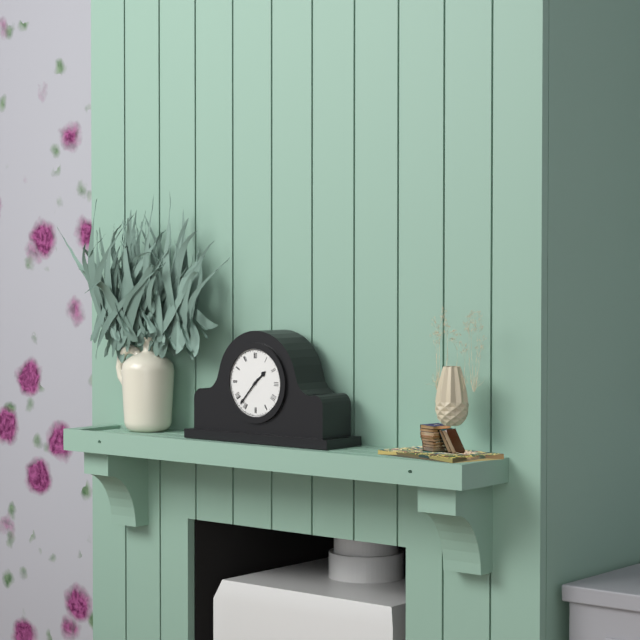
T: 1 h 37 min
